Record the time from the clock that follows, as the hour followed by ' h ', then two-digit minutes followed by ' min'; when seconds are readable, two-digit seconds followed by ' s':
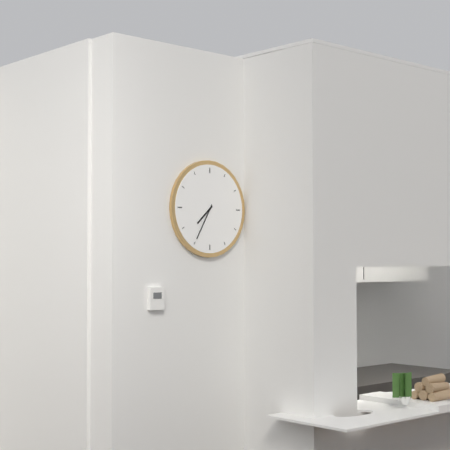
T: 7 h 35 min
